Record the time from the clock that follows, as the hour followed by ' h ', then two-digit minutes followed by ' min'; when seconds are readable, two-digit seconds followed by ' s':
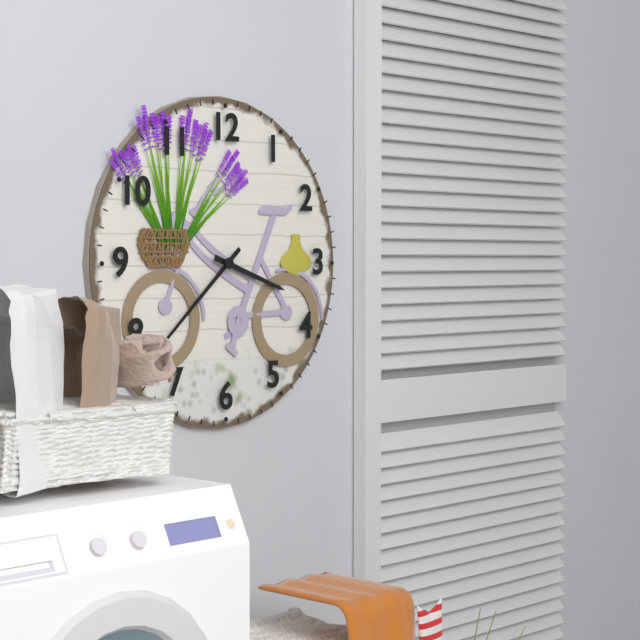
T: 3 h 38 min
